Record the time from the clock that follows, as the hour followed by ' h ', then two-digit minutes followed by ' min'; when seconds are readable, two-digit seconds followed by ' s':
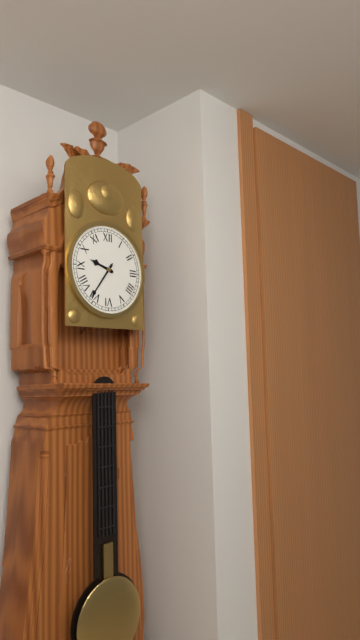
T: 9 h 36 min
